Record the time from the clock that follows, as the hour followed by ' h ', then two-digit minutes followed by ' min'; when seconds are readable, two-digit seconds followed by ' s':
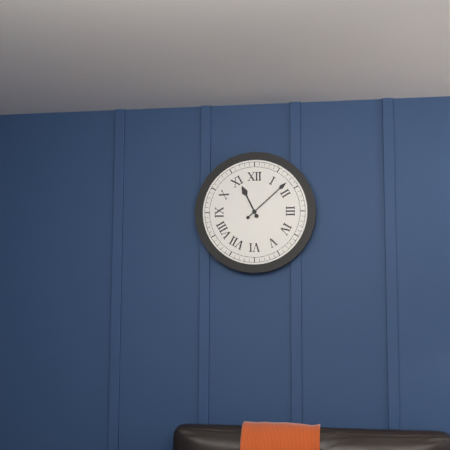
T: 11 h 08 min
